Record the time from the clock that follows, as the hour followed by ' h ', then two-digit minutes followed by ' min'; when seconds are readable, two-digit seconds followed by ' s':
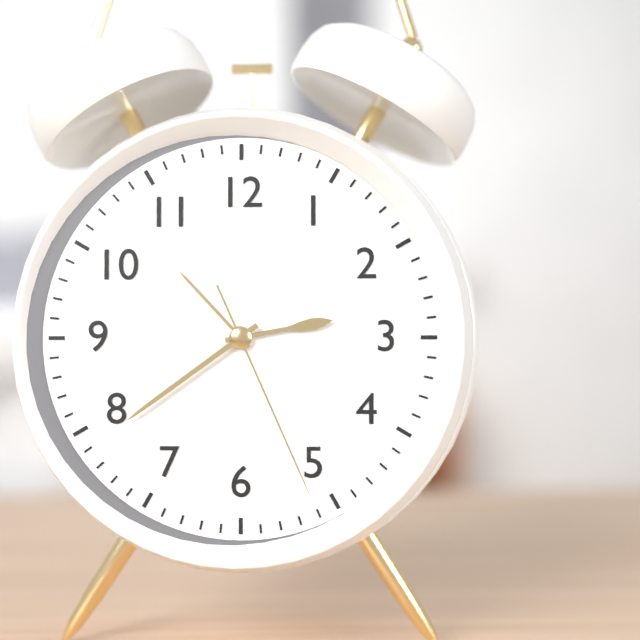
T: 2 h 39 min 26 s
